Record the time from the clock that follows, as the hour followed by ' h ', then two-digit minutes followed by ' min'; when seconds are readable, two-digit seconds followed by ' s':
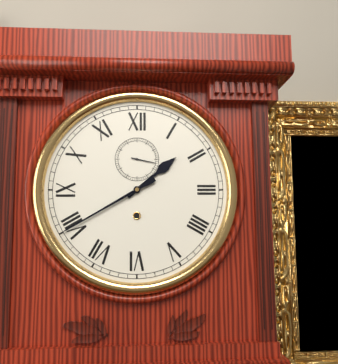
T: 1 h 40 min
